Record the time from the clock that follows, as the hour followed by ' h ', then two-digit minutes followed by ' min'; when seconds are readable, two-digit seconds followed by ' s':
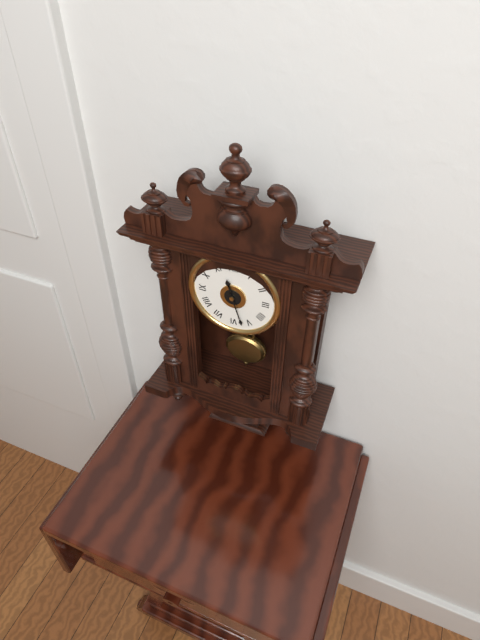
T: 11 h 27 min
